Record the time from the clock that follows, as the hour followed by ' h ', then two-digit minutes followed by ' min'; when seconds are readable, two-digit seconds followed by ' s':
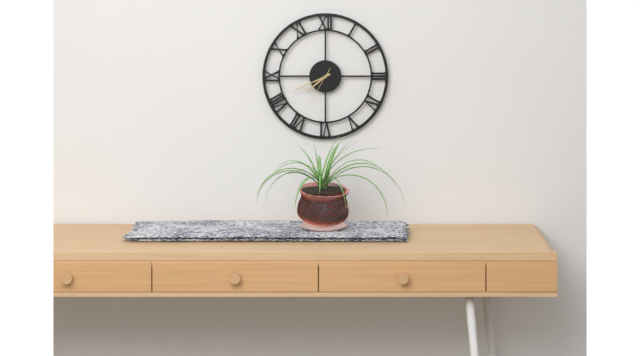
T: 7 h 41 min
